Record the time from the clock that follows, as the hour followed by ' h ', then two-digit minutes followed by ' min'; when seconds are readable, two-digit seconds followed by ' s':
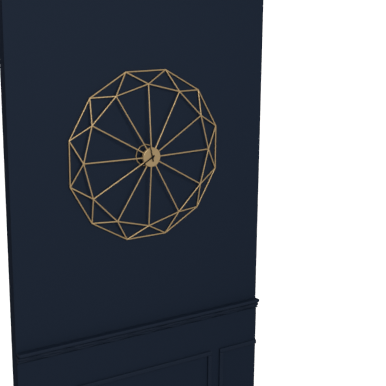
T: 7 h 58 min
